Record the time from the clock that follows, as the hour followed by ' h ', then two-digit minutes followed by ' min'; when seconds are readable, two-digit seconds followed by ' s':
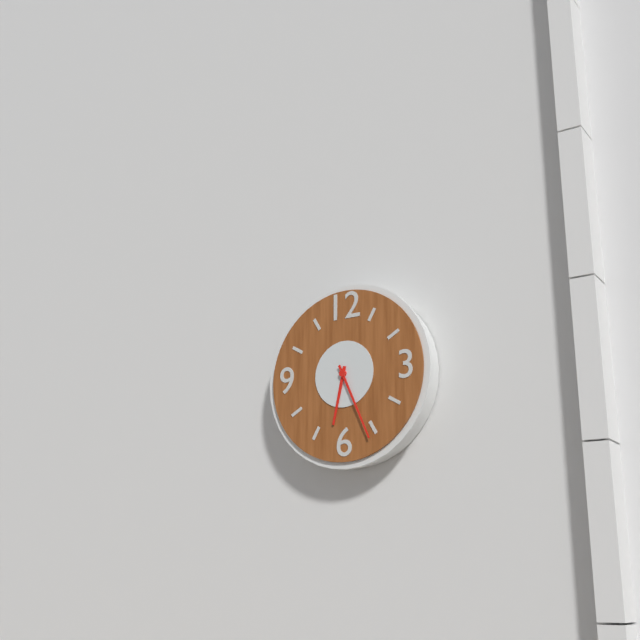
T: 6 h 26 min
